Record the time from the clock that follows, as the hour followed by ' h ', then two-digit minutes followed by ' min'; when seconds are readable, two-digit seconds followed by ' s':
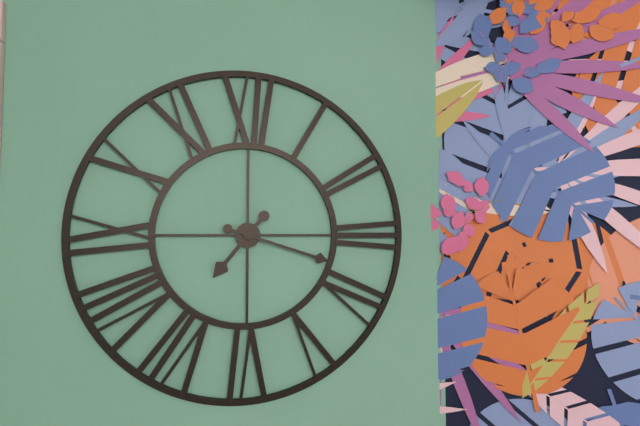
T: 7 h 18 min
